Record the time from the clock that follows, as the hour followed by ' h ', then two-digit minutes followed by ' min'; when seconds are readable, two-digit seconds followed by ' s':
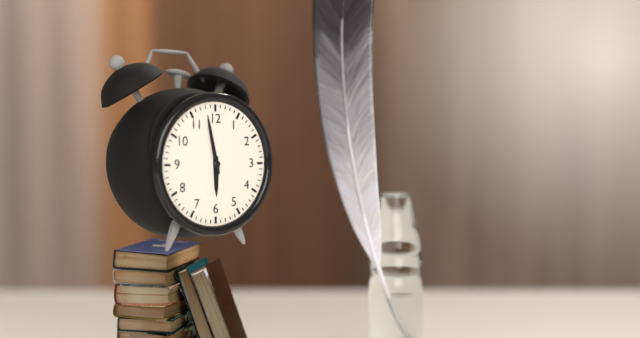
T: 5 h 58 min
